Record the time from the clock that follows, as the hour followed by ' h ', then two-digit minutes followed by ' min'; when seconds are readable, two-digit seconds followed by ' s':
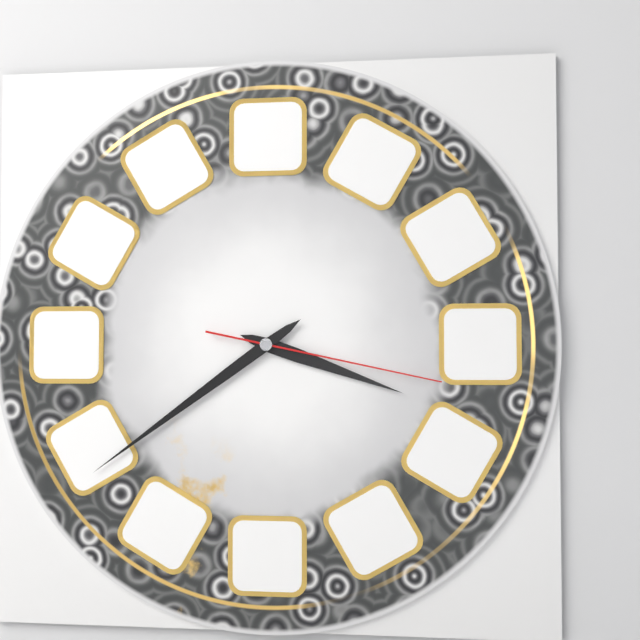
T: 3 h 39 min 17 s
